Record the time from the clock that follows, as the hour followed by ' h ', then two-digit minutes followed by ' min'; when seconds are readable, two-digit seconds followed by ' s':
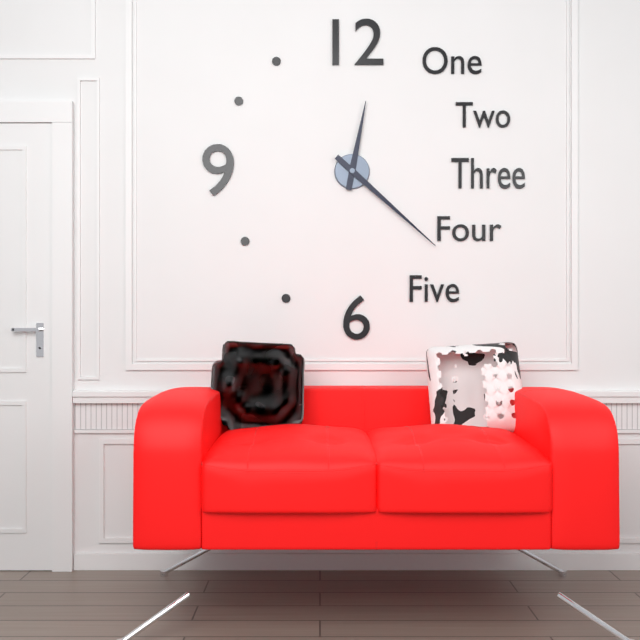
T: 12 h 22 min
